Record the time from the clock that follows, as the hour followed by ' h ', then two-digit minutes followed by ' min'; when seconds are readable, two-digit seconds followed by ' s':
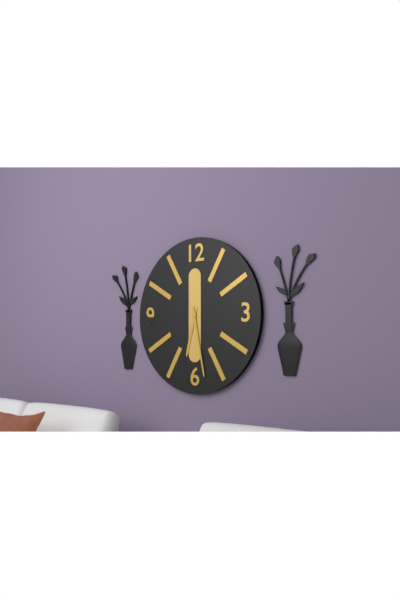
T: 6 h 28 min
